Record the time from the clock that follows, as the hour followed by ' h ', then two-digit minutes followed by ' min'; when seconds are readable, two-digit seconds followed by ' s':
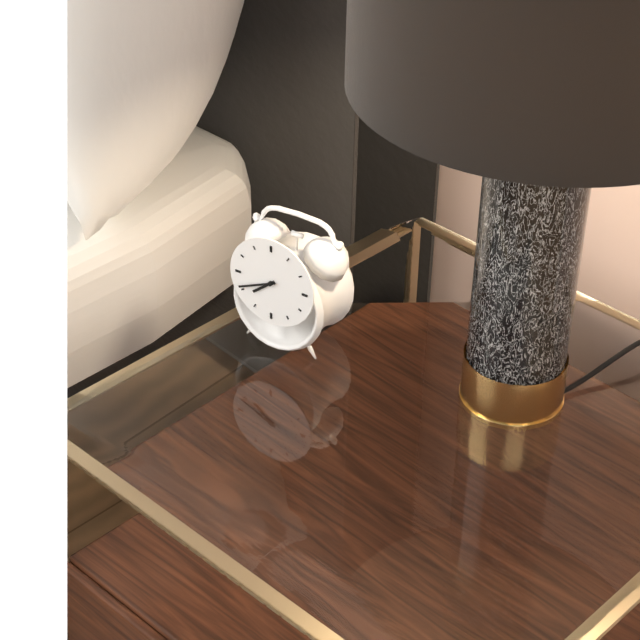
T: 7 h 41 min
